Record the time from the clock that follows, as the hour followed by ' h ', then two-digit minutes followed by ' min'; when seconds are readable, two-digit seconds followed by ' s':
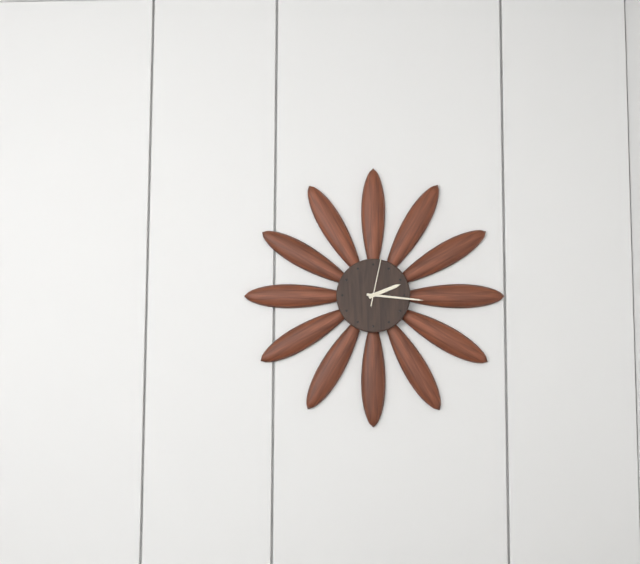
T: 2 h 16 min 02 s
